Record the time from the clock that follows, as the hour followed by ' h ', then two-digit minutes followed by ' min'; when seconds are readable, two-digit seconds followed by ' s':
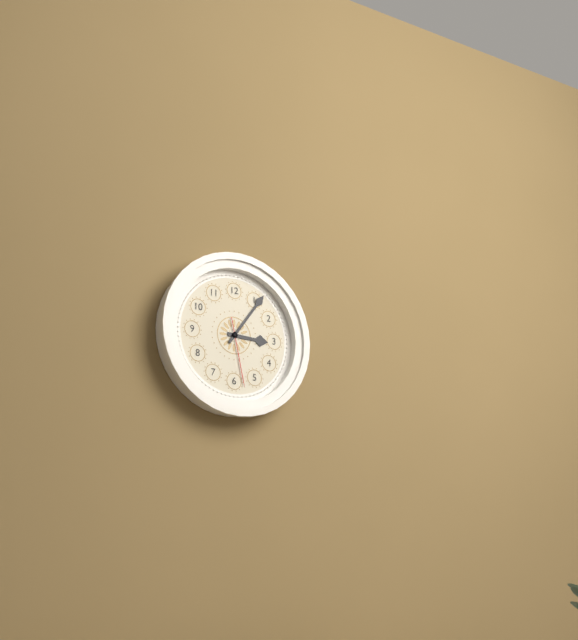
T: 3 h 06 min 28 s
